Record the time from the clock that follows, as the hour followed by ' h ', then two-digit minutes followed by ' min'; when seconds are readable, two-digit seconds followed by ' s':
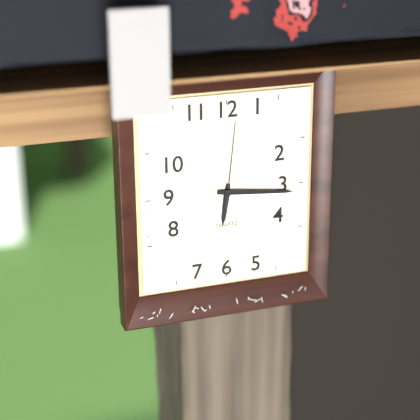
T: 6 h 16 min 01 s
